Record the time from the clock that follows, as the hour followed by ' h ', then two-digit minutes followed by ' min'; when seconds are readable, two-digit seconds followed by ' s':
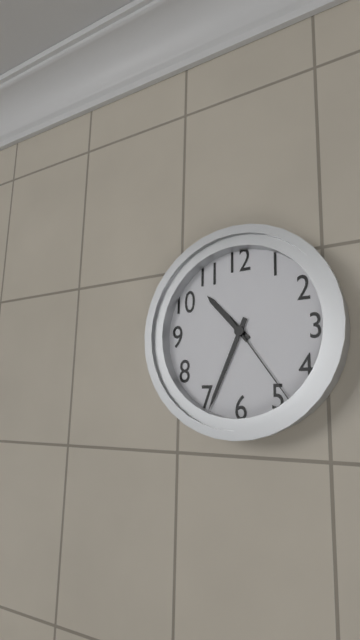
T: 10 h 34 min 24 s
